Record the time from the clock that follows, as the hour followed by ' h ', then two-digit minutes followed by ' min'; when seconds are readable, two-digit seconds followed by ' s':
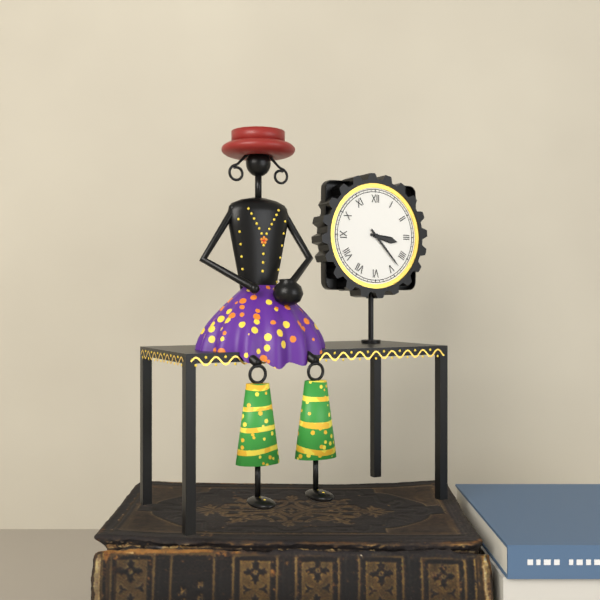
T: 3 h 23 min
